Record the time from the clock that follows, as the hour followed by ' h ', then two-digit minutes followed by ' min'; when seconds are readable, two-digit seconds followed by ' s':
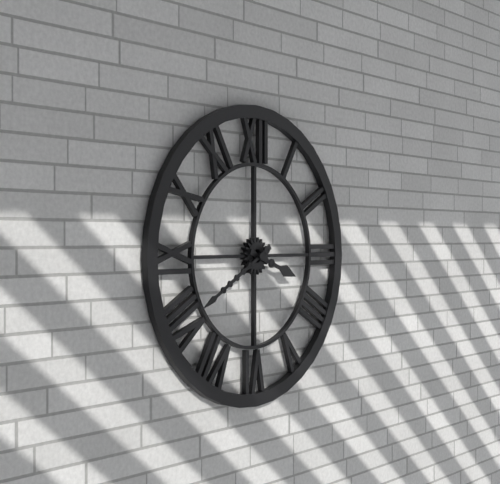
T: 3 h 40 min
